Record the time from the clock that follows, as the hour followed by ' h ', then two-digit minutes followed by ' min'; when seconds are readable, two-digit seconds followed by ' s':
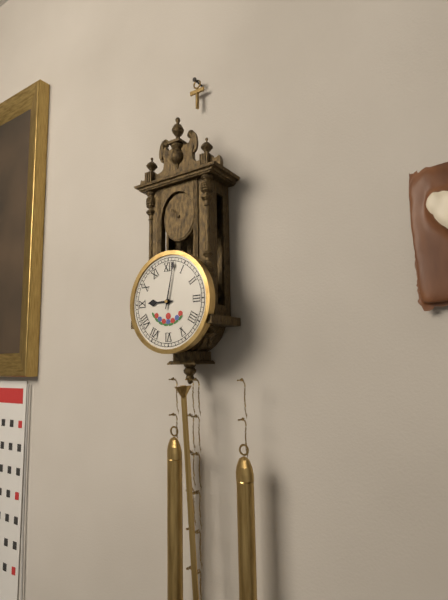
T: 9 h 02 min
